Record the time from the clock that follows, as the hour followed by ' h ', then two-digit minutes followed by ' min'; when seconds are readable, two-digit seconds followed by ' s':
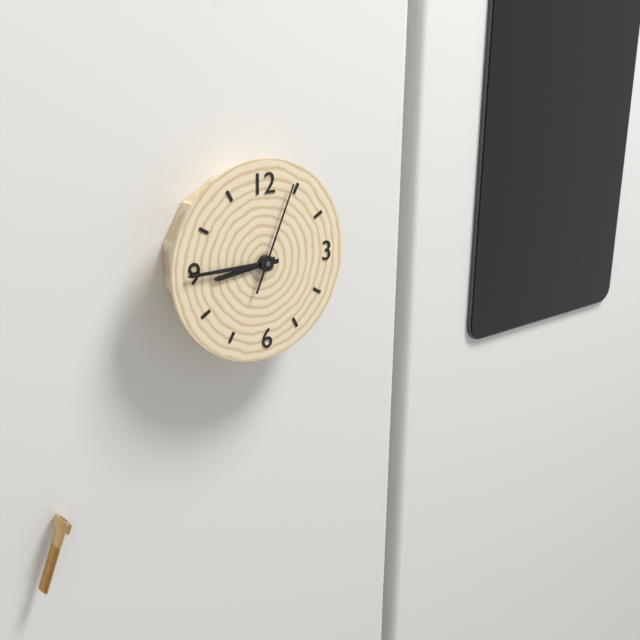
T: 8 h 45 min 04 s
